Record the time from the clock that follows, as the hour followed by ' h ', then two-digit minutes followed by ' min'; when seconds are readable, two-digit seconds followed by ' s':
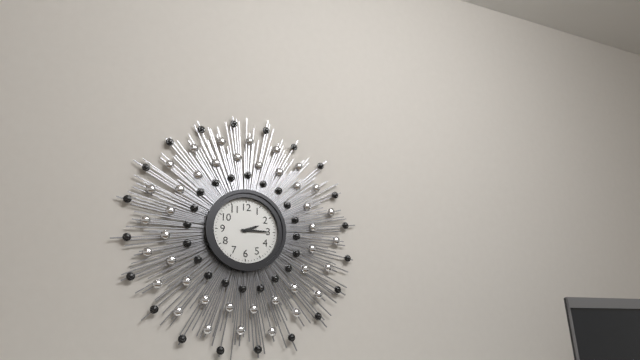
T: 2 h 15 min
